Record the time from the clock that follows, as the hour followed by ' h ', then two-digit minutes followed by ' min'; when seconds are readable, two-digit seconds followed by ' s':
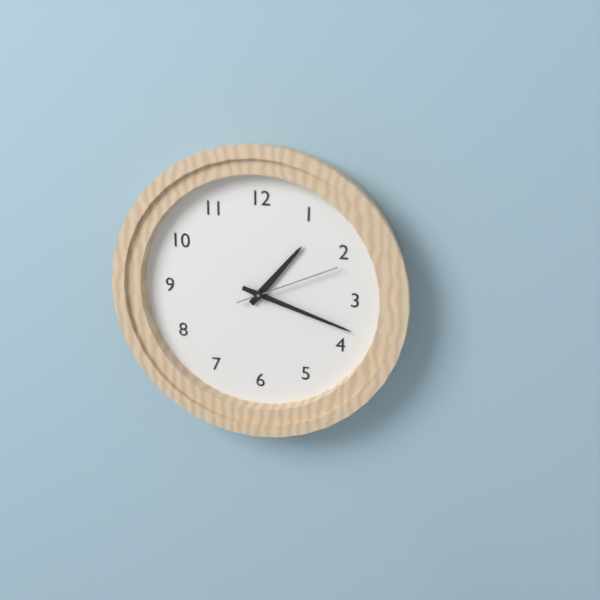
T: 1 h 18 min 11 s
